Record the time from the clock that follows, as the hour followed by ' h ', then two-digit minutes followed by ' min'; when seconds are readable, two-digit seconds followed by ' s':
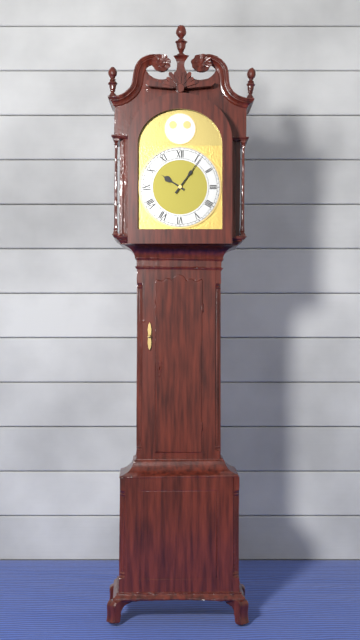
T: 10 h 06 min
